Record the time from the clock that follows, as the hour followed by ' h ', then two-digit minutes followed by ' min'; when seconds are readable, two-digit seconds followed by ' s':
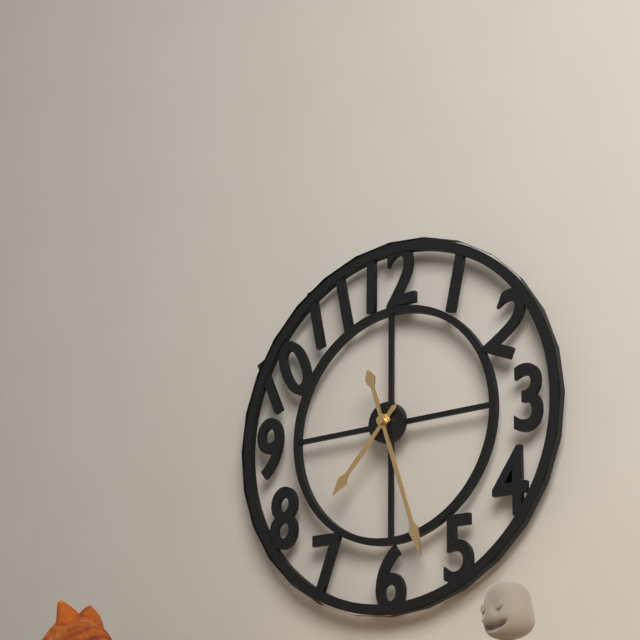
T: 7 h 27 min
